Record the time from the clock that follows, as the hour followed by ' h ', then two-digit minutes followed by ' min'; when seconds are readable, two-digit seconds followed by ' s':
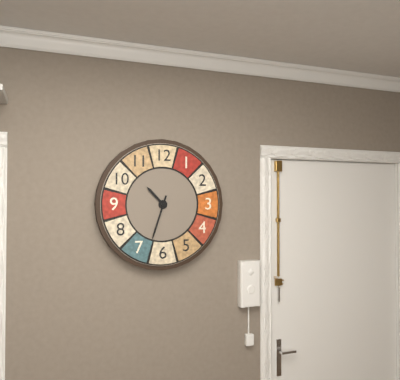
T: 10 h 33 min
